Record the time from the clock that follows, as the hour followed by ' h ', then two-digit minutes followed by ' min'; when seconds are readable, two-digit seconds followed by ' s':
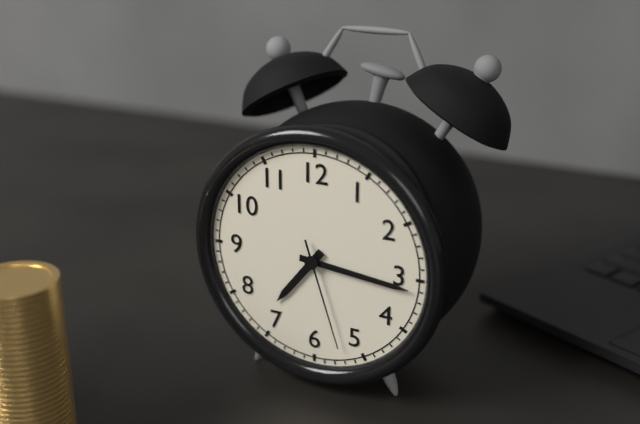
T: 7 h 16 min 27 s
